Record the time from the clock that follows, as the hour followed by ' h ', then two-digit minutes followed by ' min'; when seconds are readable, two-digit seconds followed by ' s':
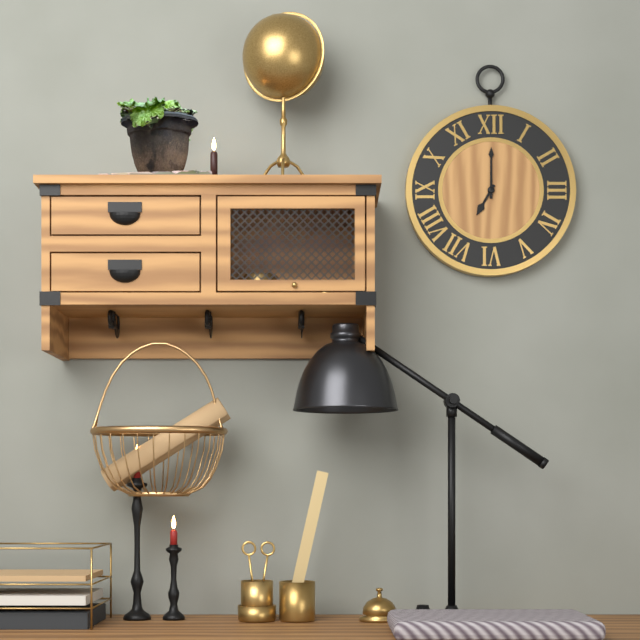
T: 7 h 00 min
